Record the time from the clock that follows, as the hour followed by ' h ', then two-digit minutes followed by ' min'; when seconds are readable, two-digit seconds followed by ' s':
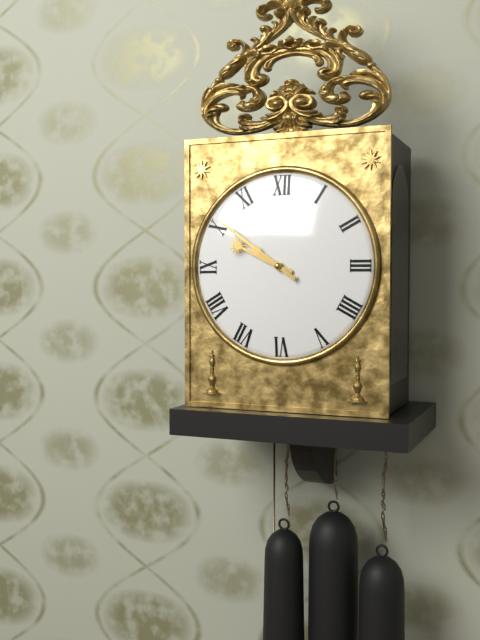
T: 9 h 51 min
